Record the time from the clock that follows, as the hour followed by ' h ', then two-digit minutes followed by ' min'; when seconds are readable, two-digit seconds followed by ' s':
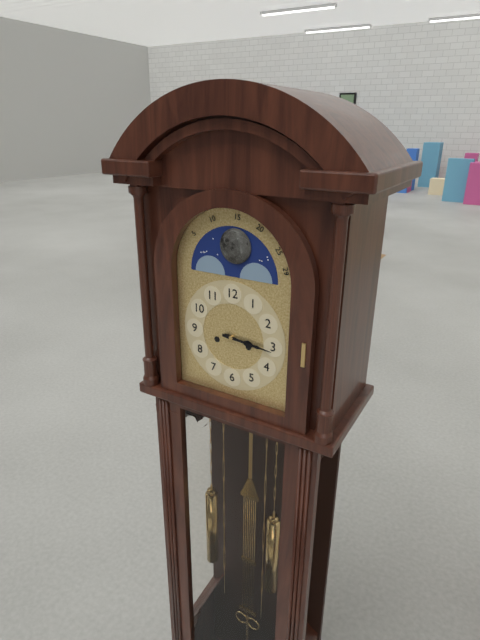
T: 3 h 16 min
